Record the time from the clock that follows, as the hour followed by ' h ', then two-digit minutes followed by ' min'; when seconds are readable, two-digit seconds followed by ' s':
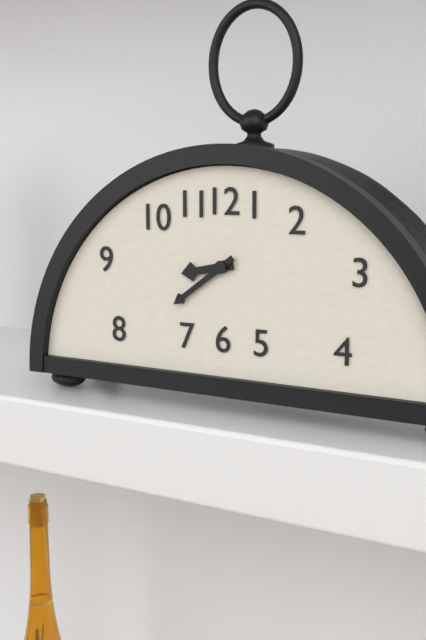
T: 8 h 39 min
